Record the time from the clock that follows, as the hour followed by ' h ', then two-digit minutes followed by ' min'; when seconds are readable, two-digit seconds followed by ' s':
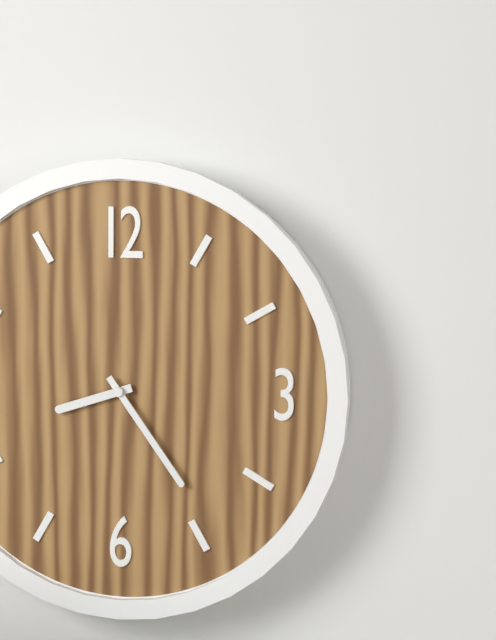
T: 8 h 24 min
